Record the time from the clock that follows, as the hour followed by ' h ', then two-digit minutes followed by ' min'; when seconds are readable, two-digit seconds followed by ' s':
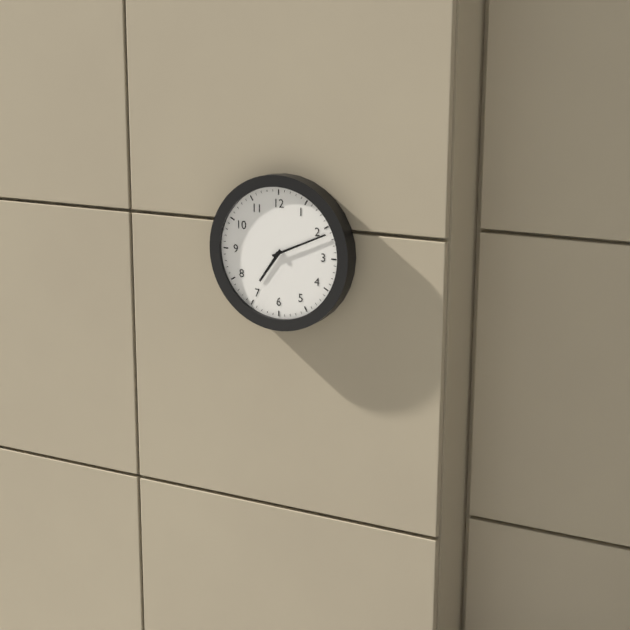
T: 7 h 11 min
